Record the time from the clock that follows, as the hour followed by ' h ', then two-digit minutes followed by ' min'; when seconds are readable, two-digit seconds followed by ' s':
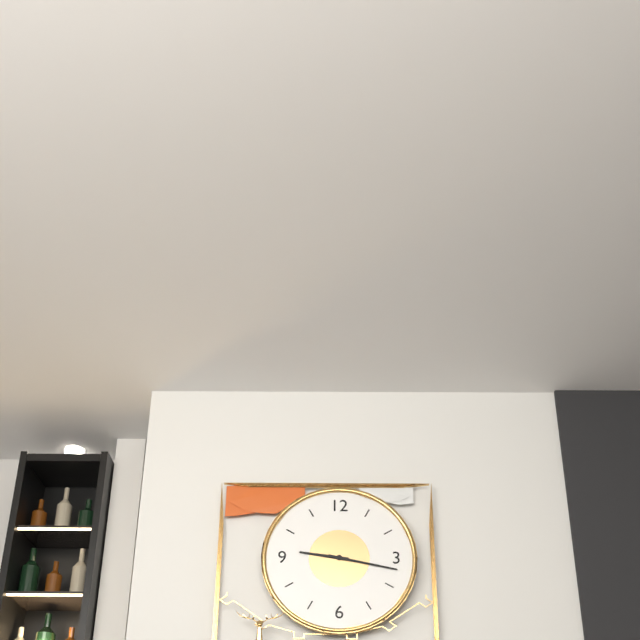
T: 9 h 17 min
